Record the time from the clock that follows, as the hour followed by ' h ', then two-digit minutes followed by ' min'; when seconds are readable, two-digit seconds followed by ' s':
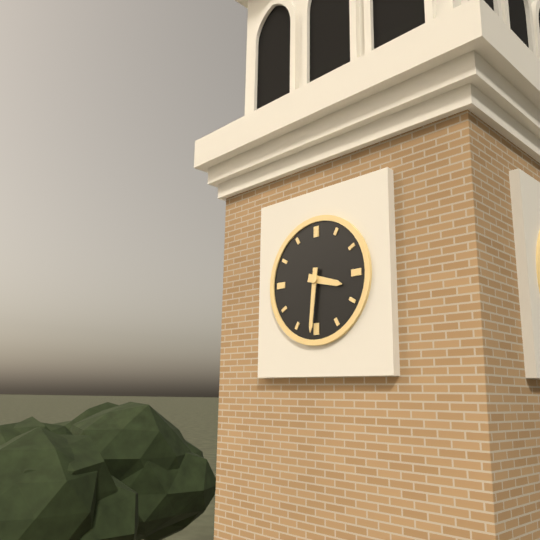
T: 3 h 31 min
